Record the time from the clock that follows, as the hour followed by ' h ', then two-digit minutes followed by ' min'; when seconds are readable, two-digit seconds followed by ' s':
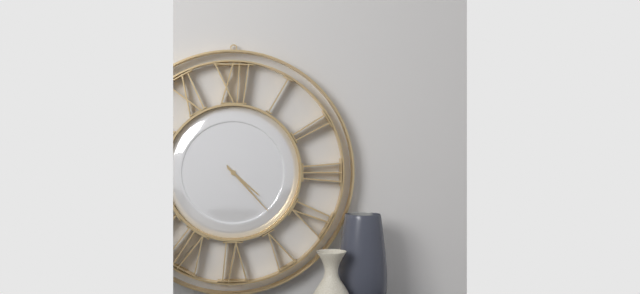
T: 4 h 23 min
